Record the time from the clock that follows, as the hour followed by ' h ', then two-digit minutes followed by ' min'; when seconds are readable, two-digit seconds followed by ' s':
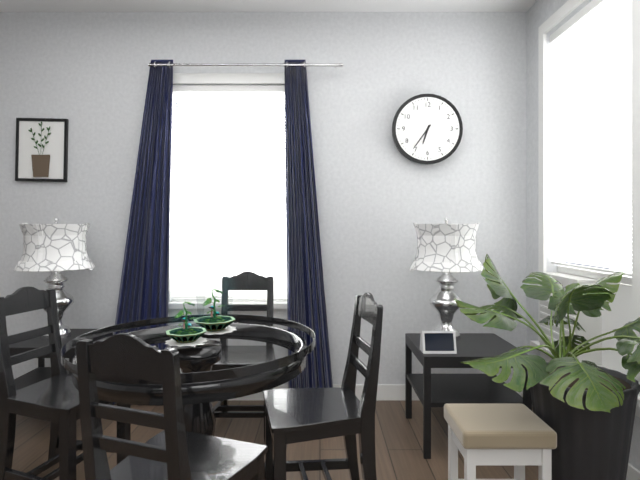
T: 6 h 36 min
